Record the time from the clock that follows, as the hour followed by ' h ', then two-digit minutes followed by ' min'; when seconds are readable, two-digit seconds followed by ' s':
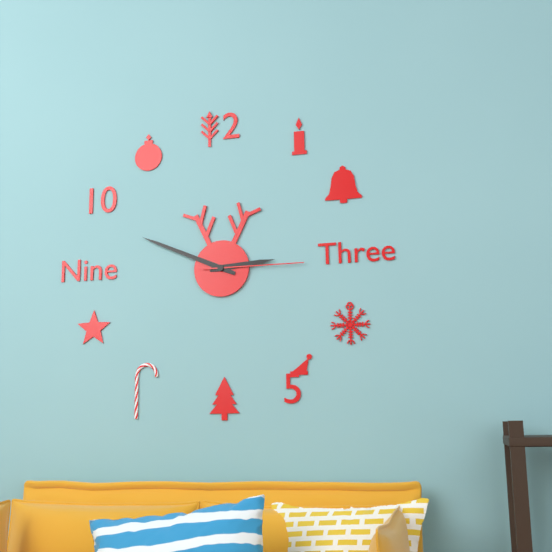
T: 2 h 49 min 15 s
